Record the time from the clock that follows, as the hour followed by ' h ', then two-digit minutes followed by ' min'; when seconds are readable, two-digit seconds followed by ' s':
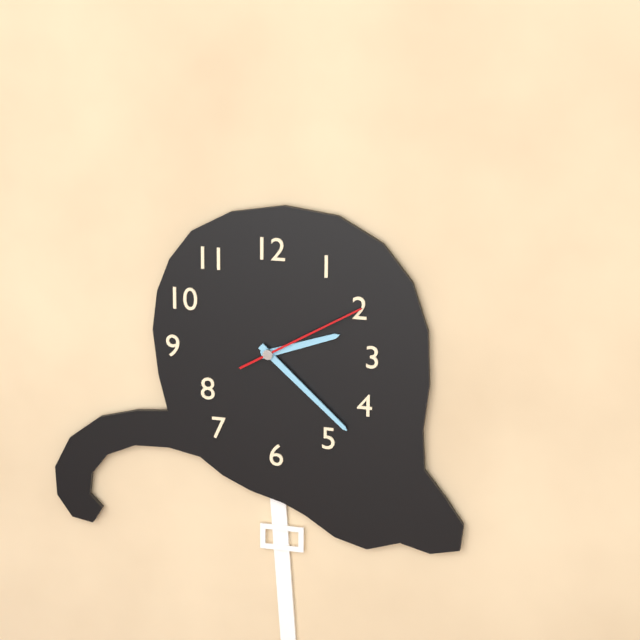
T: 2 h 22 min 10 s
